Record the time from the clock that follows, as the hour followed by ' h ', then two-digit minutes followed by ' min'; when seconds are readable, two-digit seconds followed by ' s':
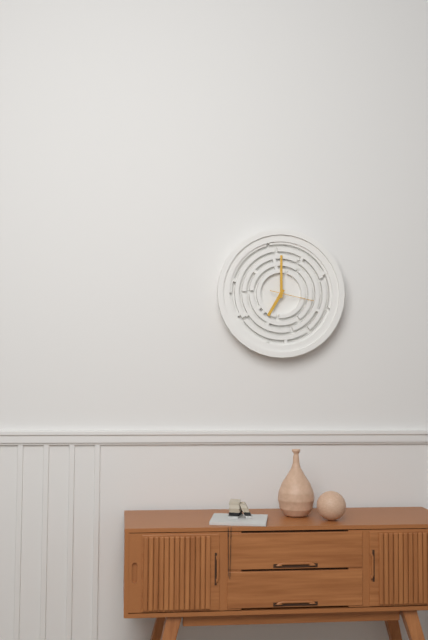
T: 7 h 00 min
